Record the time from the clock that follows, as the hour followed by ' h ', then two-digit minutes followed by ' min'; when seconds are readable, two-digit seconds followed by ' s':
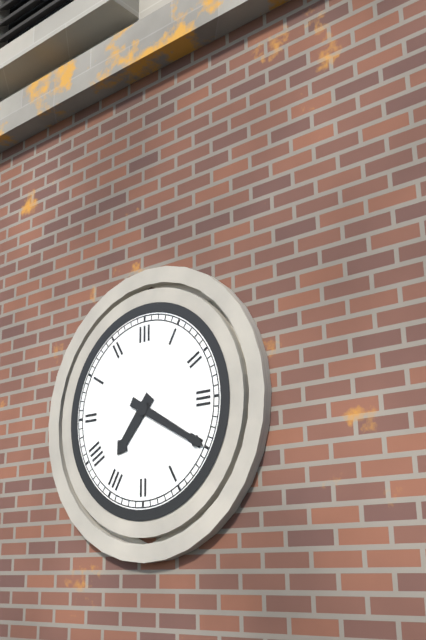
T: 7 h 20 min
